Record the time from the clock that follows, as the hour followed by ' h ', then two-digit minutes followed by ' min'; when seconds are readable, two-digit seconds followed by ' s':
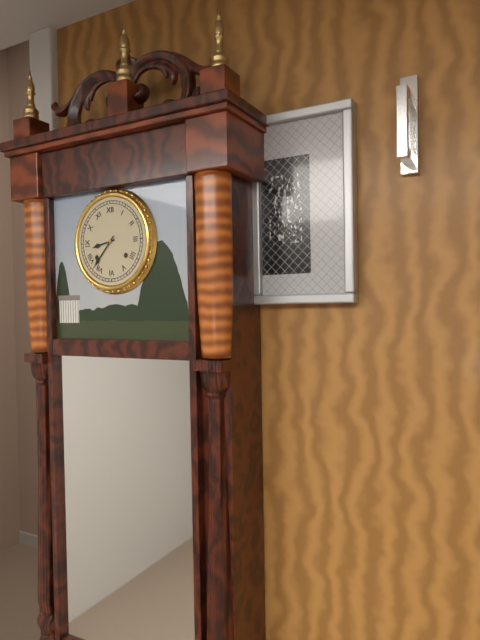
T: 8 h 37 min
